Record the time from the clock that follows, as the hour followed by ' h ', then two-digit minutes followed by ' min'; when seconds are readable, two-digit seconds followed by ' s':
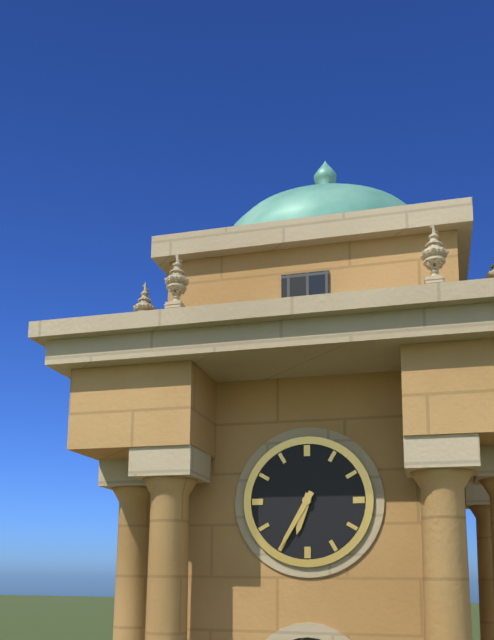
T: 6 h 35 min
